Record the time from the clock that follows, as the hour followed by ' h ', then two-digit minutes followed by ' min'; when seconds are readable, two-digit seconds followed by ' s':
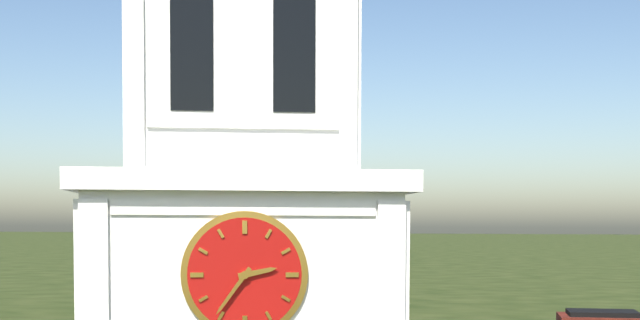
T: 2 h 36 min
